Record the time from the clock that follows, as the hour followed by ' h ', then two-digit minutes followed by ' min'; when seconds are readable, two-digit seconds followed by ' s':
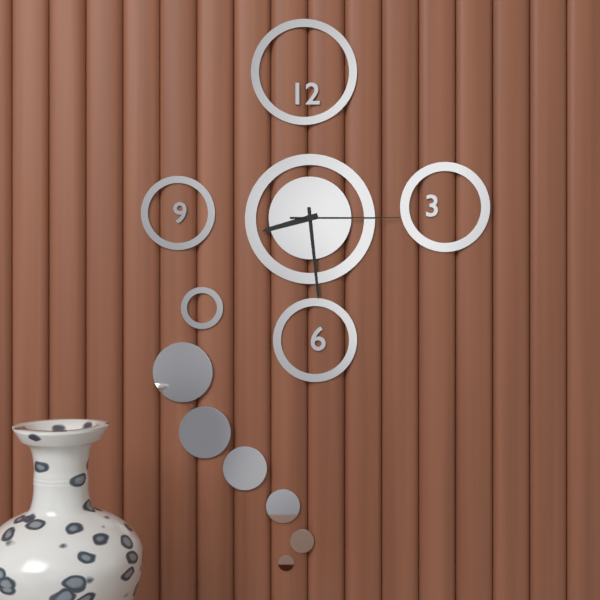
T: 8 h 29 min 15 s
